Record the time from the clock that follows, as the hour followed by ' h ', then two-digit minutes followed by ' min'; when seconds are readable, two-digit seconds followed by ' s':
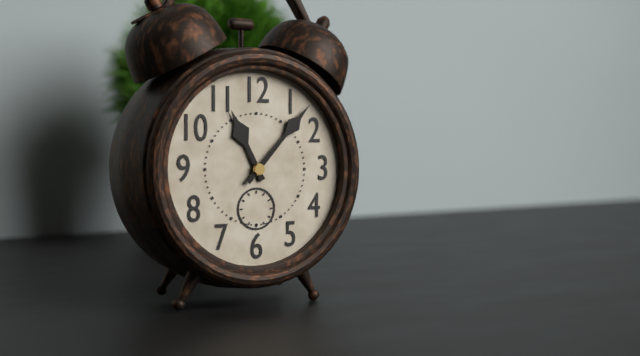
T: 11 h 07 min
